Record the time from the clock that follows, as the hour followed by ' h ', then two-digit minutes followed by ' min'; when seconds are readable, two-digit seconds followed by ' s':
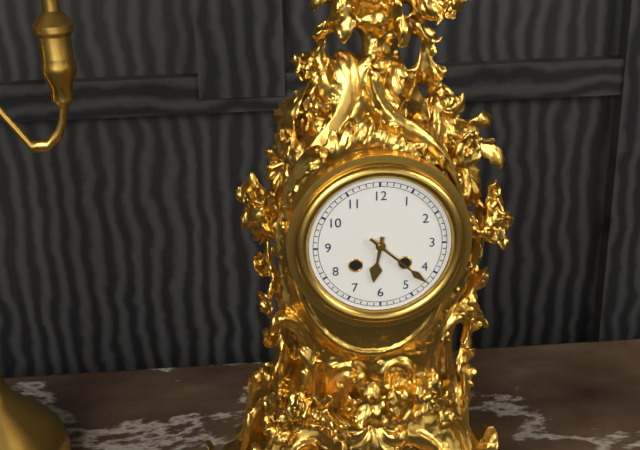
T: 6 h 22 min
